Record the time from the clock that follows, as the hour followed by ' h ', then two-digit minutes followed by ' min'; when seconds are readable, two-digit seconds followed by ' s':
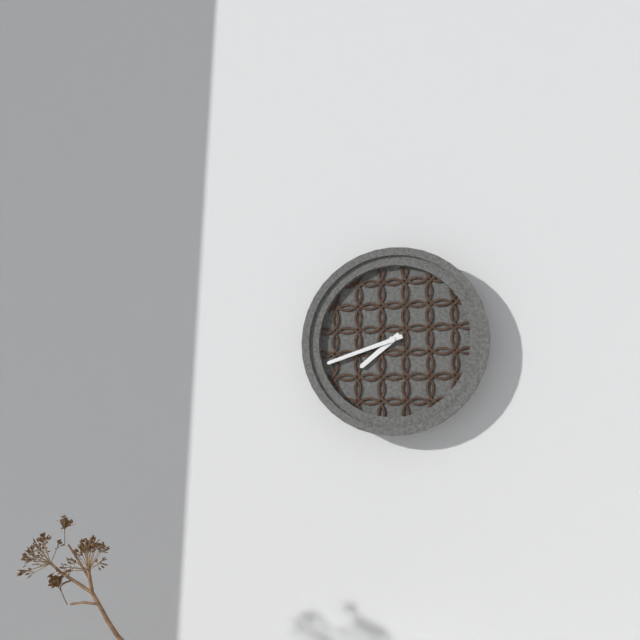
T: 7 h 42 min
